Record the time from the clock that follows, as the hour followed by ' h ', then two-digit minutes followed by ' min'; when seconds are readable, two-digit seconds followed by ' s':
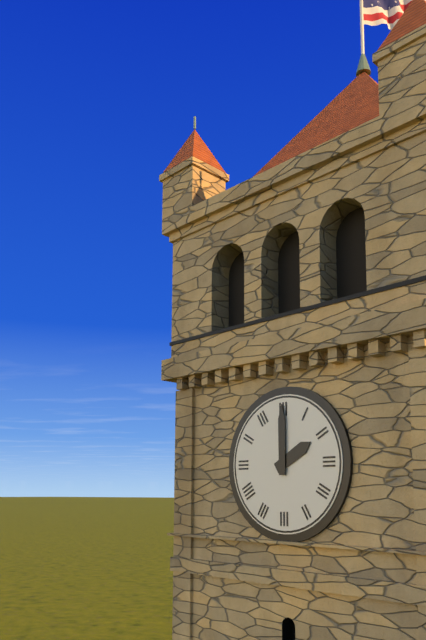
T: 2 h 00 min
